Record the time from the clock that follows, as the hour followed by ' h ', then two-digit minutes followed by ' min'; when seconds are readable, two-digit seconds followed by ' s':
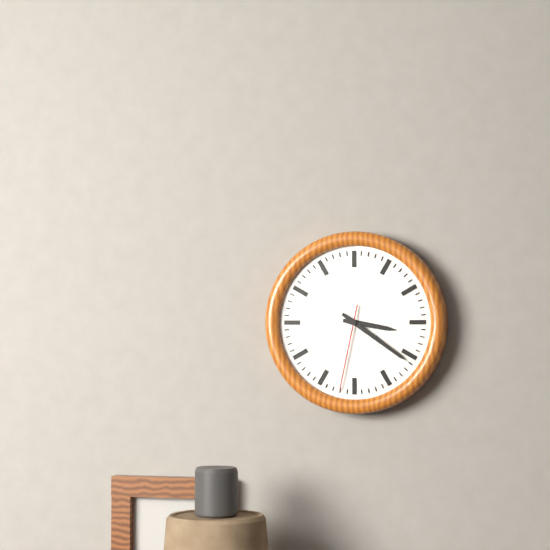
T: 3 h 21 min 32 s
